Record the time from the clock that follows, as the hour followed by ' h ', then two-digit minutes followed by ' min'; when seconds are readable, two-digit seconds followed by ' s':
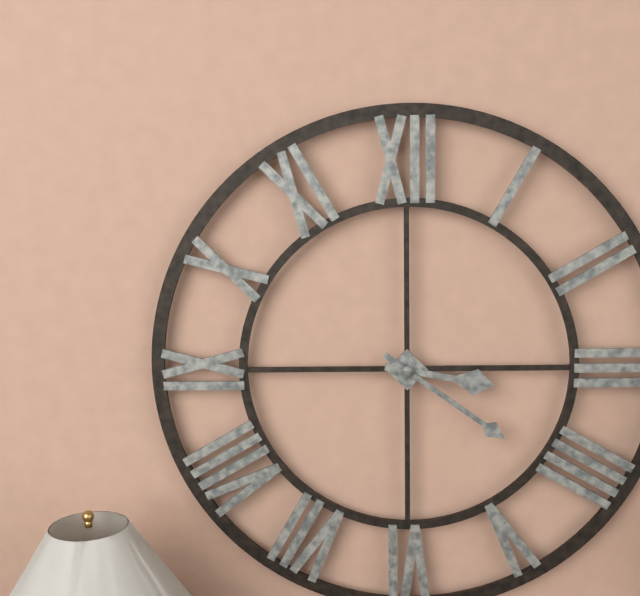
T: 3 h 21 min
